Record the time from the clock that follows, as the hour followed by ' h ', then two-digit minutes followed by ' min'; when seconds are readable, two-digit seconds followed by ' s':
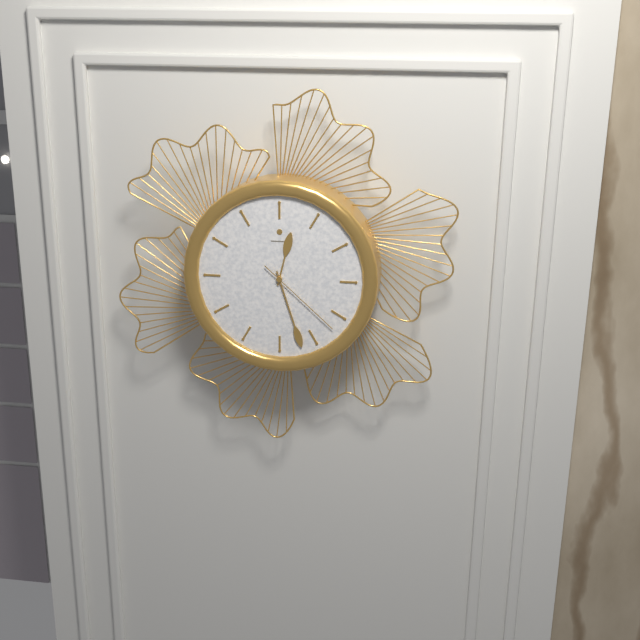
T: 12 h 27 min 22 s
